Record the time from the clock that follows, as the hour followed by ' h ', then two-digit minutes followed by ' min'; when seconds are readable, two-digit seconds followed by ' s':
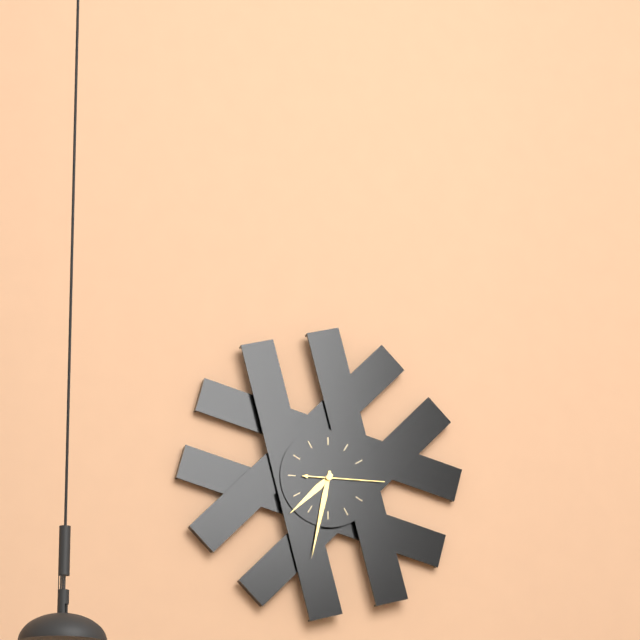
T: 7 h 32 min 15 s
